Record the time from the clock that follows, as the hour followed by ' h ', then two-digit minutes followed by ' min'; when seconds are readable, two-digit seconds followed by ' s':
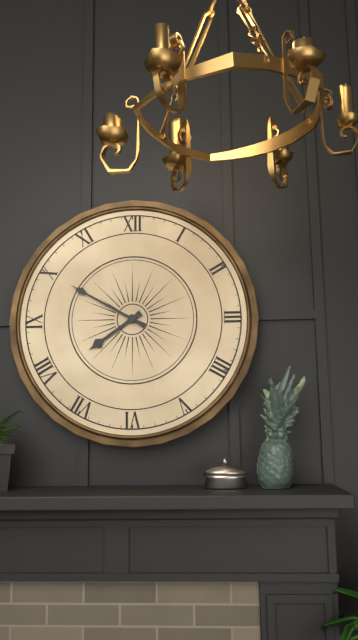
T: 7 h 50 min
